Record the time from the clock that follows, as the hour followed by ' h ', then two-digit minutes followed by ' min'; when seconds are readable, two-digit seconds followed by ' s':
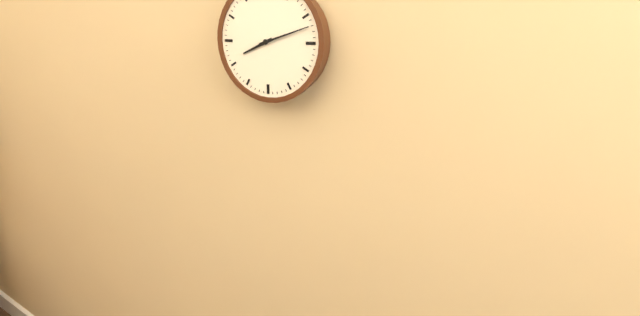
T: 8 h 12 min
